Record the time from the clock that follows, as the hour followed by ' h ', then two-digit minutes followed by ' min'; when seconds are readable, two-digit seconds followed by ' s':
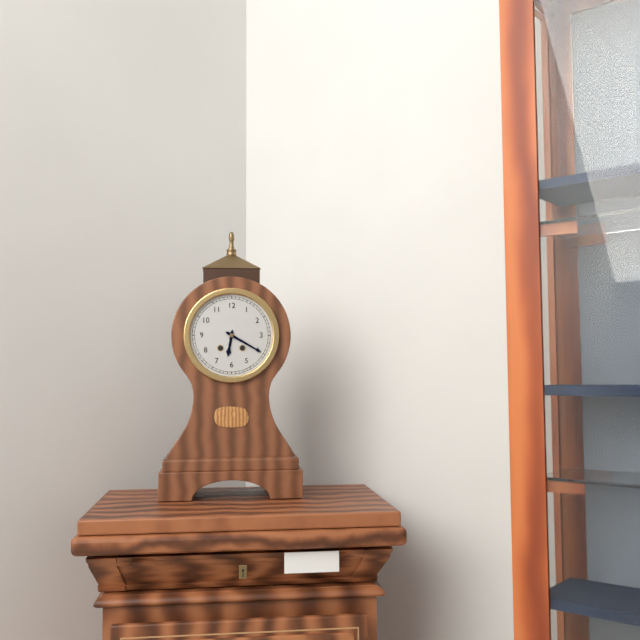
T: 6 h 20 min
